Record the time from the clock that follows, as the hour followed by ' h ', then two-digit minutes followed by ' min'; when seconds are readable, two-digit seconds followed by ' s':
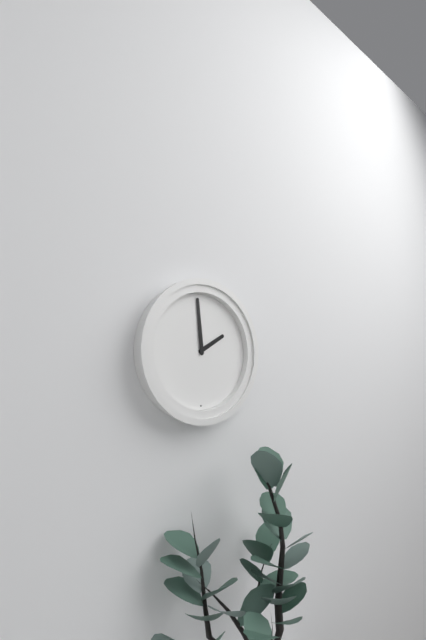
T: 1 h 59 min
